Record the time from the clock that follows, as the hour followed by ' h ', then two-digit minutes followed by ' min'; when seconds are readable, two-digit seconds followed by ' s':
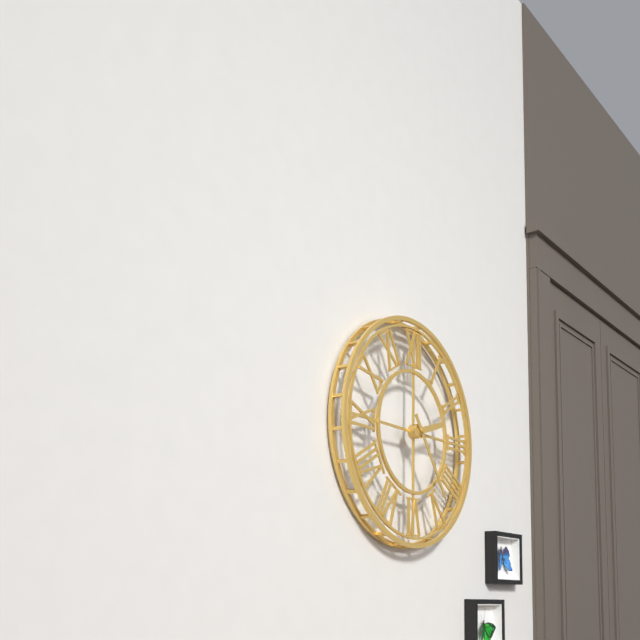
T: 2 h 24 min
